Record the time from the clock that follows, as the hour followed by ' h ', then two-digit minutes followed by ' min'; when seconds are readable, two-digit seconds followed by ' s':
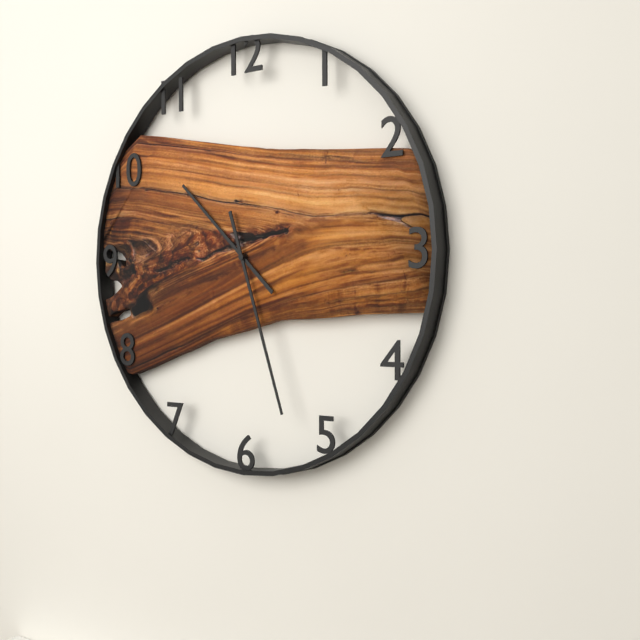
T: 10 h 27 min
